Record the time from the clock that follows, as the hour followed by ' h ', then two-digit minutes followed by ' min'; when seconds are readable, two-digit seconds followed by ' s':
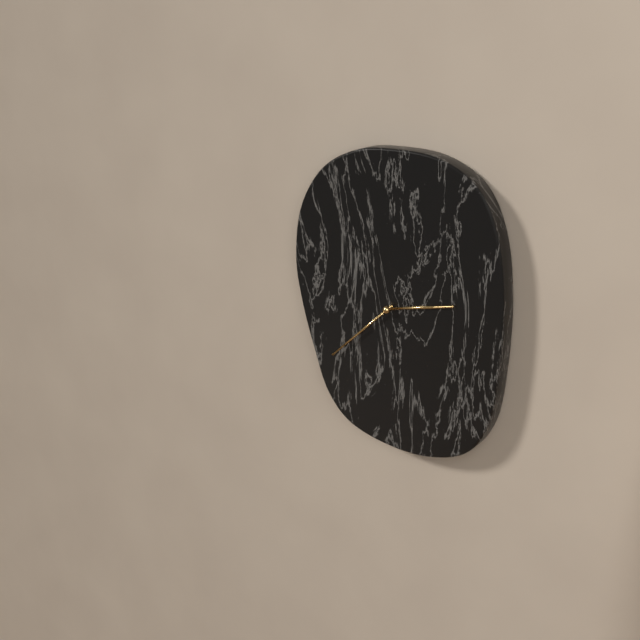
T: 2 h 38 min
